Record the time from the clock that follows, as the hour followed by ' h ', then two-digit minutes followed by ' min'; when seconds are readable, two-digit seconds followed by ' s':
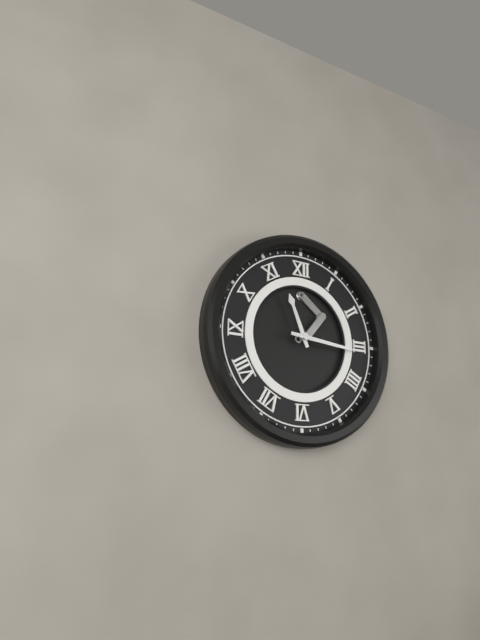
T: 11 h 16 min
